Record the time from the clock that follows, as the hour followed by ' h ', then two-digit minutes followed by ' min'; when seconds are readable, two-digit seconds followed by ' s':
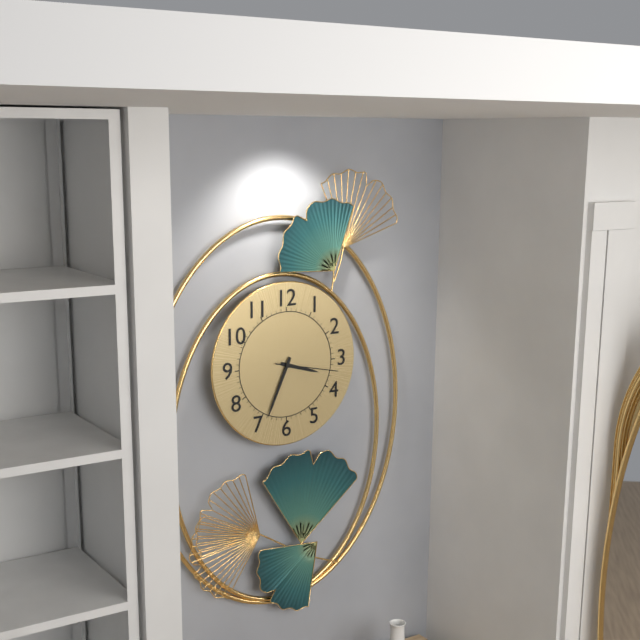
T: 3 h 34 min 17 s
